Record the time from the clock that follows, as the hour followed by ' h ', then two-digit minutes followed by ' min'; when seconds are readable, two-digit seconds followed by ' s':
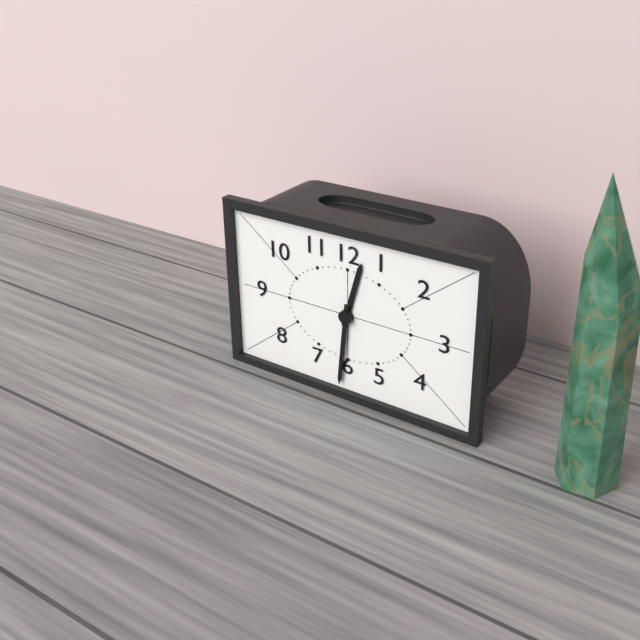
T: 12 h 31 min
